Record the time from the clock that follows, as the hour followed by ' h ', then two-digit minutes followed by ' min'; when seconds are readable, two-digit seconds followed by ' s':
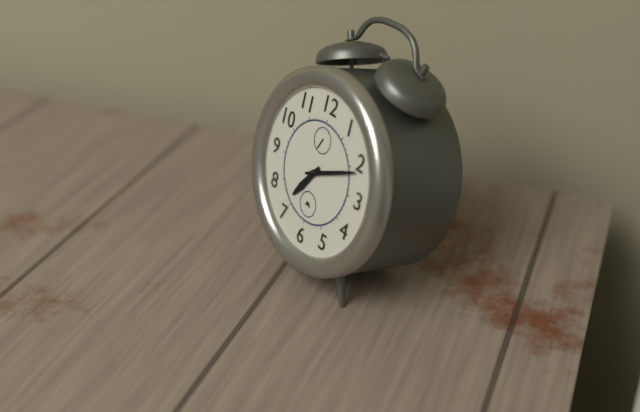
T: 7 h 11 min
